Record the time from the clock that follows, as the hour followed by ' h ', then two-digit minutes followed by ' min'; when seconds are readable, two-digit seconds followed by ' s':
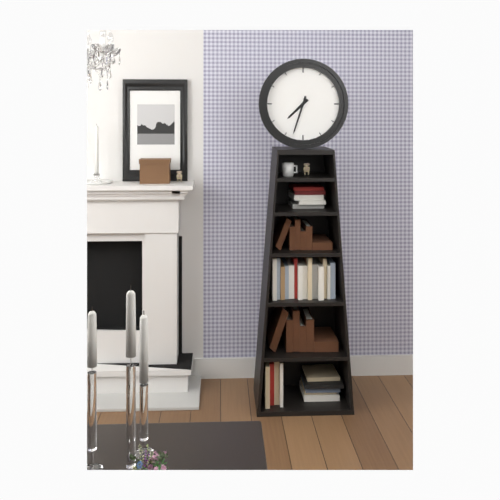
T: 7 h 33 min
